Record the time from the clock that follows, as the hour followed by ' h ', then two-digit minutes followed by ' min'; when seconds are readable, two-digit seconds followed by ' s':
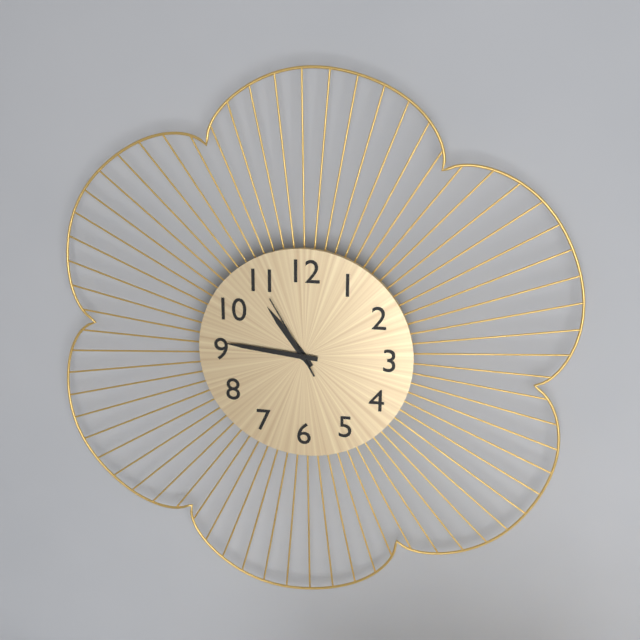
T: 10 h 46 min 55 s
